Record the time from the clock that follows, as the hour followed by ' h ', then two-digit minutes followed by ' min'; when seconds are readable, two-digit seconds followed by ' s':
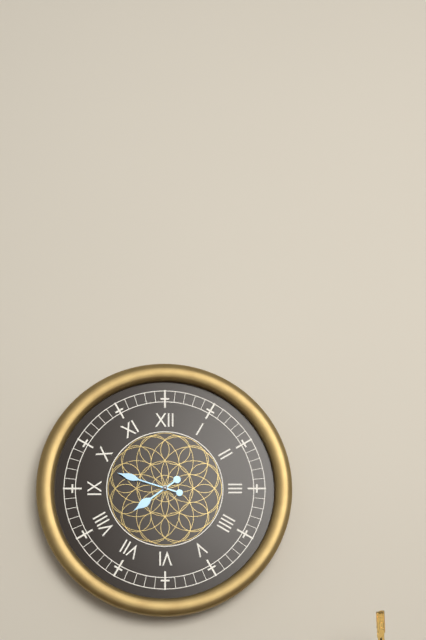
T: 7 h 48 min
